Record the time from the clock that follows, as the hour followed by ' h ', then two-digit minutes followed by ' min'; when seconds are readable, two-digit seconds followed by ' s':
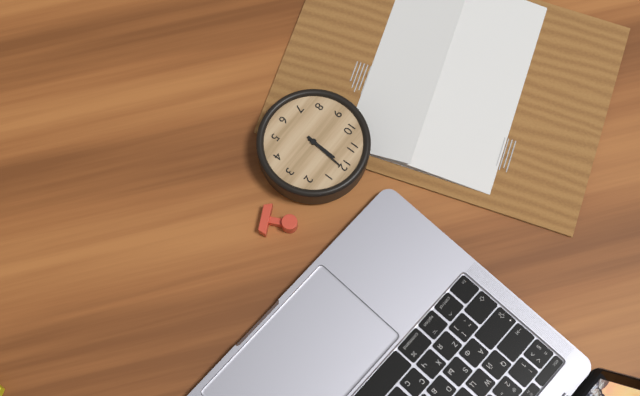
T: 12 h 01 min
